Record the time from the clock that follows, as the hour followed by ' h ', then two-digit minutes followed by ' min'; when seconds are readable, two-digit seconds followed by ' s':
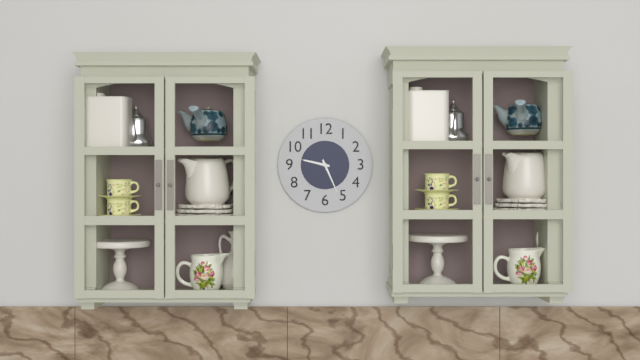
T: 9 h 26 min
